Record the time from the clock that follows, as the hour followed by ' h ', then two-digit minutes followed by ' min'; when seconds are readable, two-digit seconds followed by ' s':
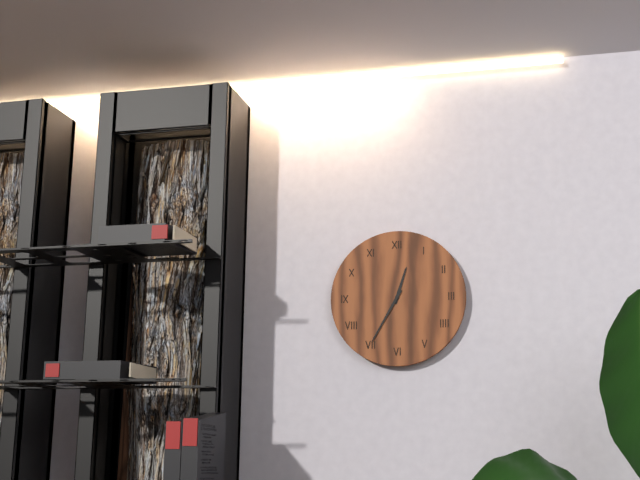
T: 12 h 35 min
